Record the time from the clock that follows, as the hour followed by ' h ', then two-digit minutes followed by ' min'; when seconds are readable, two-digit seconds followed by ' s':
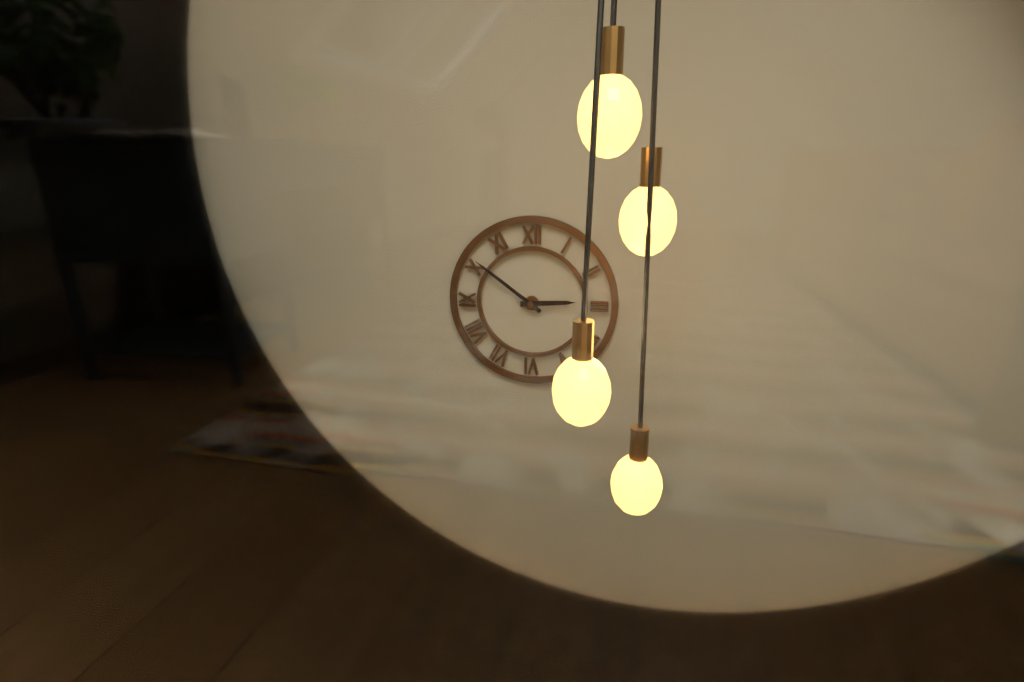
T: 2 h 51 min
